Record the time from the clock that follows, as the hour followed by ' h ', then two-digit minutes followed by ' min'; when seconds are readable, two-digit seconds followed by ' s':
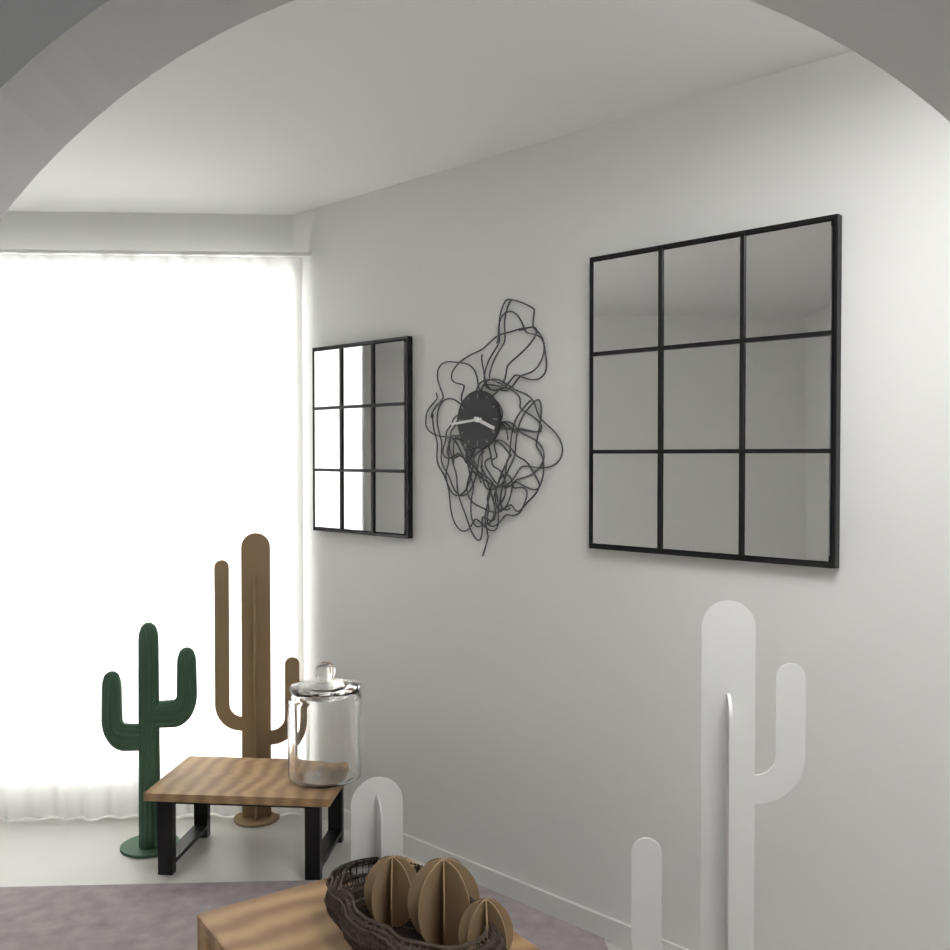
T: 3 h 44 min
